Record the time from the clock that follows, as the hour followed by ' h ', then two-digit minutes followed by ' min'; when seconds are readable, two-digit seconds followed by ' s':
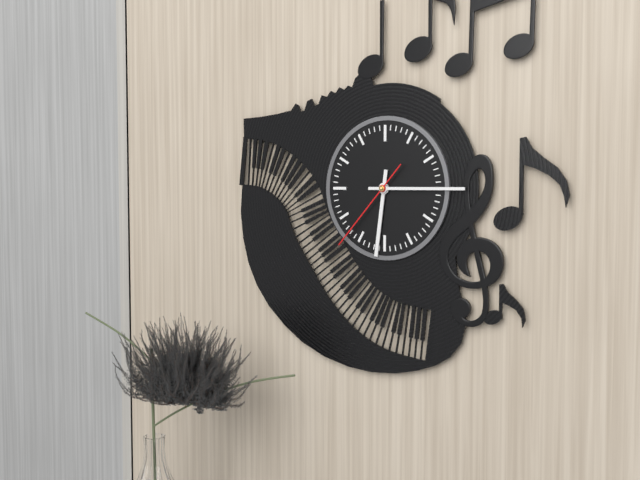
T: 6 h 15 min 37 s
